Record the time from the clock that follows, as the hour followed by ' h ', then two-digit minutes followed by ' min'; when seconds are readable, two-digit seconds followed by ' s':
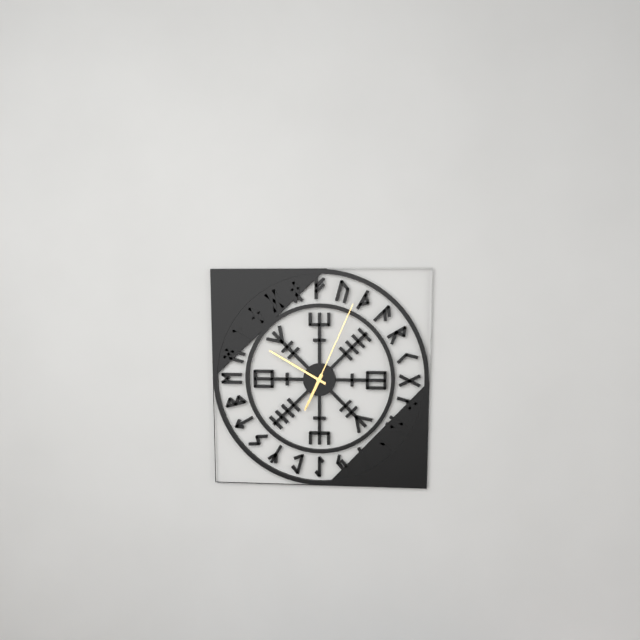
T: 6 h 50 min 04 s
